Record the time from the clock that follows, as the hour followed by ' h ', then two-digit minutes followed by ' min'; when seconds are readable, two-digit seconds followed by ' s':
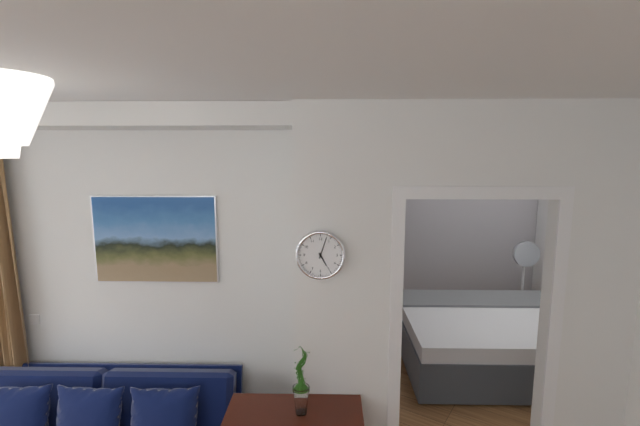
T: 5 h 03 min
